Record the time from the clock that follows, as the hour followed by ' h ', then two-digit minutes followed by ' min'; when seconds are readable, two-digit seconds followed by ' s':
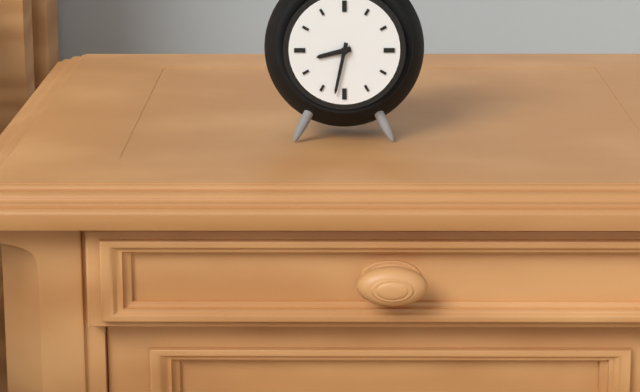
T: 8 h 32 min
